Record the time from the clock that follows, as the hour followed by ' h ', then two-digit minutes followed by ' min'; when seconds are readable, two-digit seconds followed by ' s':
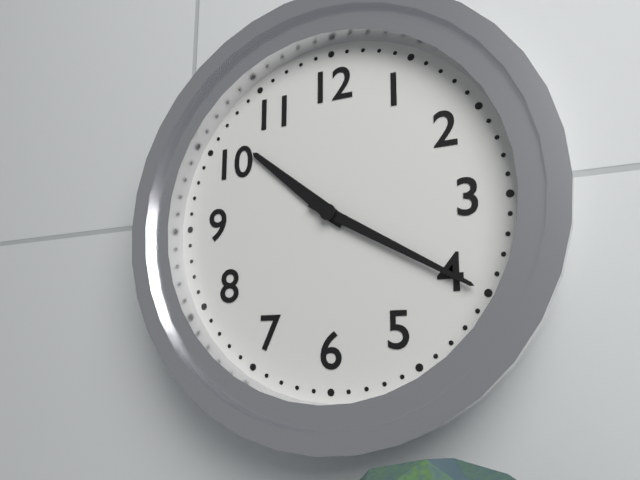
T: 10 h 20 min
